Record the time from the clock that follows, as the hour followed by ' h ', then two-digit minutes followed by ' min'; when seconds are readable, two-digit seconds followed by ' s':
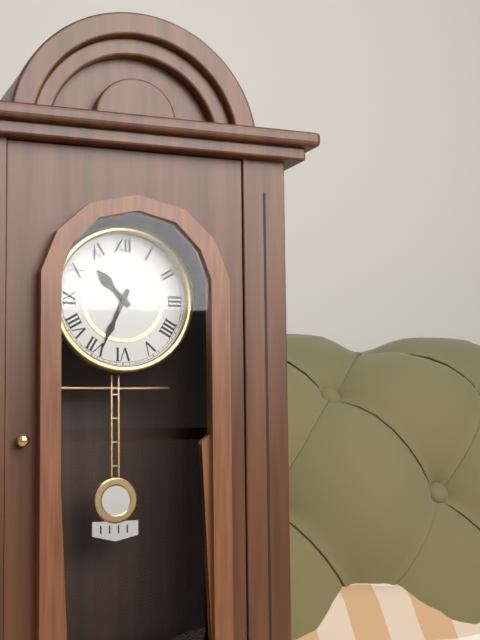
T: 10 h 34 min
